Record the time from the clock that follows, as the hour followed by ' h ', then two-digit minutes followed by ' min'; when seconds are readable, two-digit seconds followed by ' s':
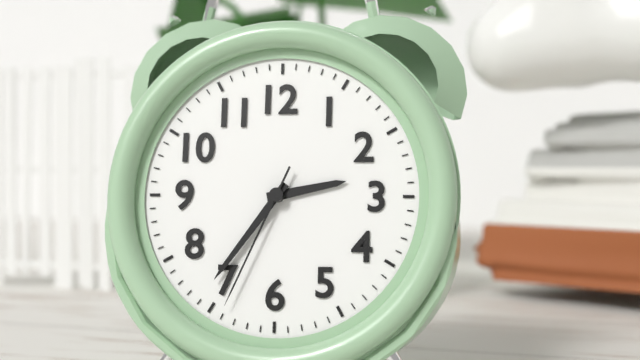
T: 2 h 36 min 34 s
